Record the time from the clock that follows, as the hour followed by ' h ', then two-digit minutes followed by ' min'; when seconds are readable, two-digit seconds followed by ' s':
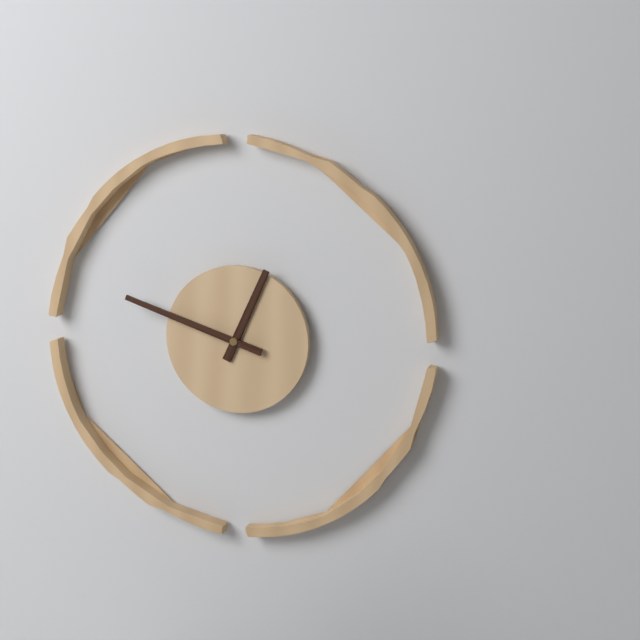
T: 12 h 48 min
